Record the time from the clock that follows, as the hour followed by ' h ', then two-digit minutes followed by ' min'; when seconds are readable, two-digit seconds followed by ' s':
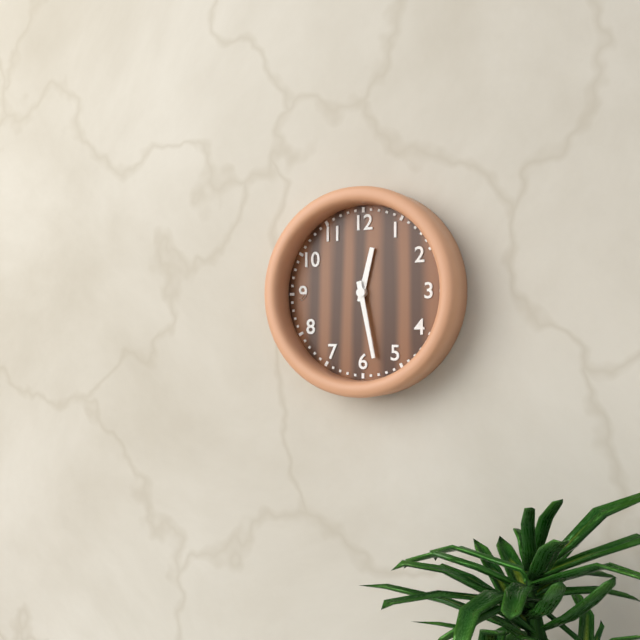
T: 12 h 28 min
